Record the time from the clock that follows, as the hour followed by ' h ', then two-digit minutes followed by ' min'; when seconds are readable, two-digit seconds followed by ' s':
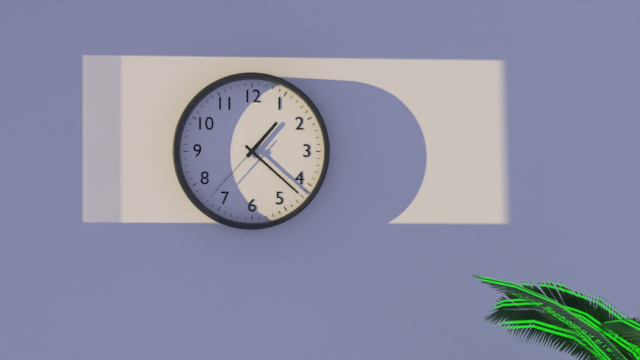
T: 1 h 22 min 37 s
